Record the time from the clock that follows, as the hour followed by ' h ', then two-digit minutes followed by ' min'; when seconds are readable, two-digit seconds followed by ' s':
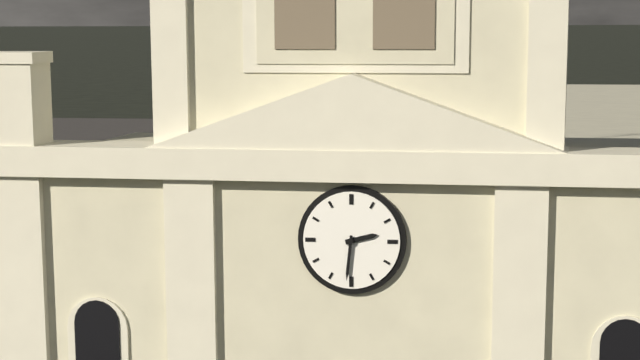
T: 2 h 31 min
